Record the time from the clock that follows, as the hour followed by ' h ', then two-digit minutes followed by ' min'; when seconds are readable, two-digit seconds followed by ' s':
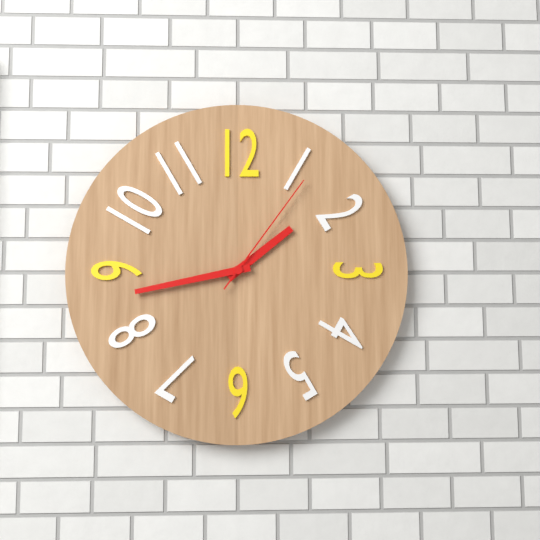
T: 1 h 43 min 06 s
